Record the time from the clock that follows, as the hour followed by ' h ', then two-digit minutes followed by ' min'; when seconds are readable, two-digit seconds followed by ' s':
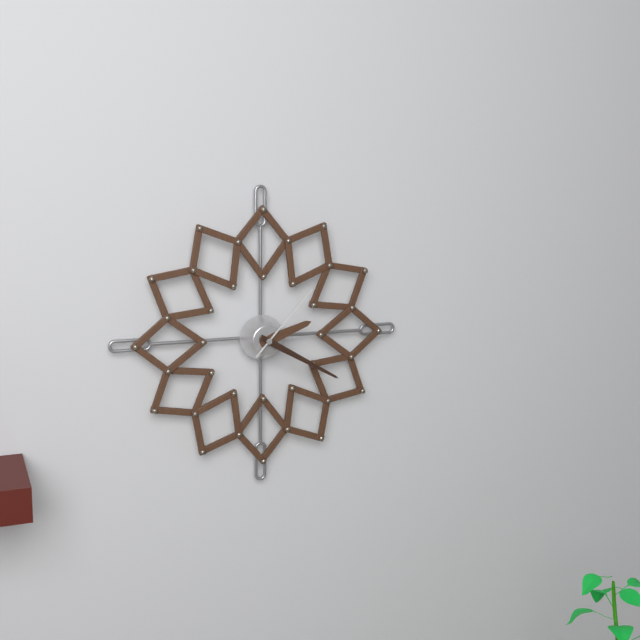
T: 2 h 20 min 07 s
